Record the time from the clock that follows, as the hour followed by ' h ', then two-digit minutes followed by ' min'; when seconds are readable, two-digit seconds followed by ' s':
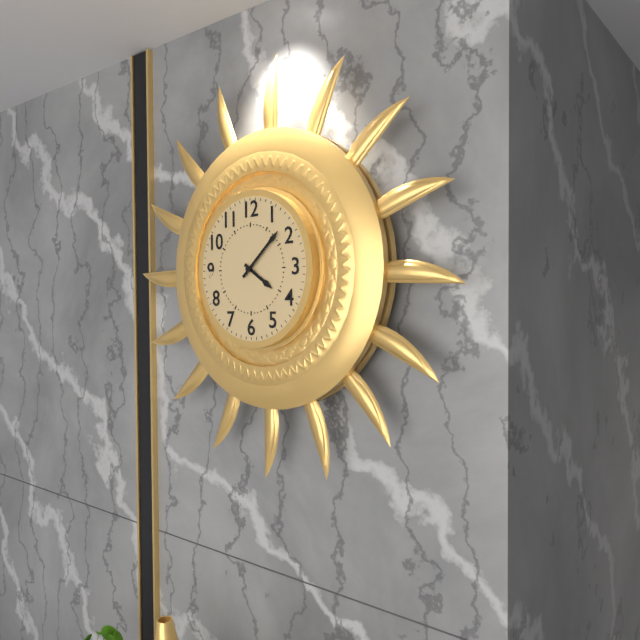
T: 4 h 08 min
